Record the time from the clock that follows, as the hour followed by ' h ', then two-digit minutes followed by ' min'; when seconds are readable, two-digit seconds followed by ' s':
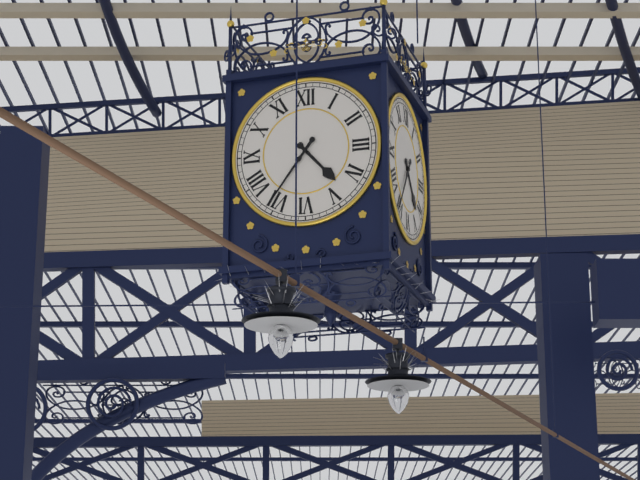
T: 4 h 36 min
